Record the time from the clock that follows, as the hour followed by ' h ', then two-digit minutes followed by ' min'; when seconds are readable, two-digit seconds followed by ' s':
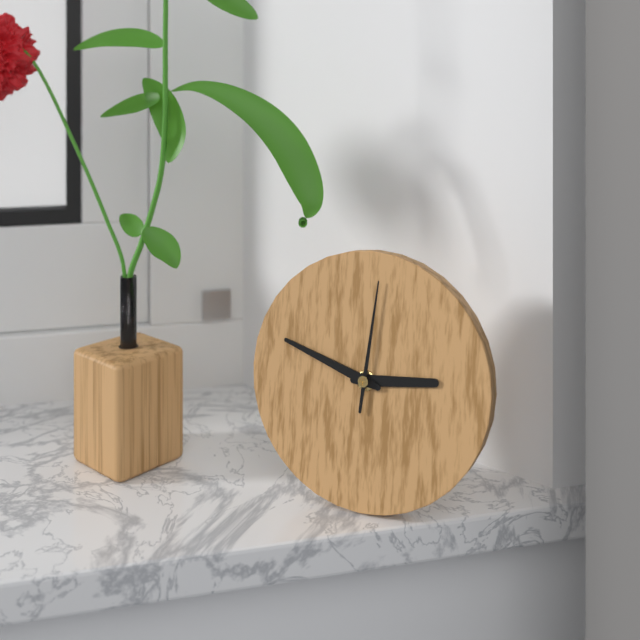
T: 2 h 48 min 01 s
